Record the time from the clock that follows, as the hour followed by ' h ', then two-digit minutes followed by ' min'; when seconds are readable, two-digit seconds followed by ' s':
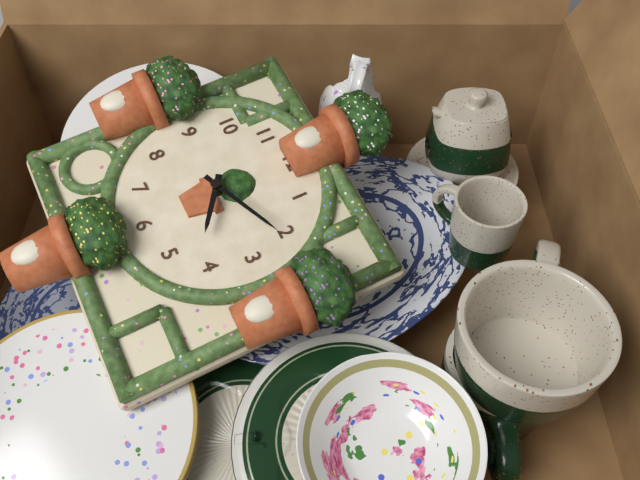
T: 4 h 11 min
